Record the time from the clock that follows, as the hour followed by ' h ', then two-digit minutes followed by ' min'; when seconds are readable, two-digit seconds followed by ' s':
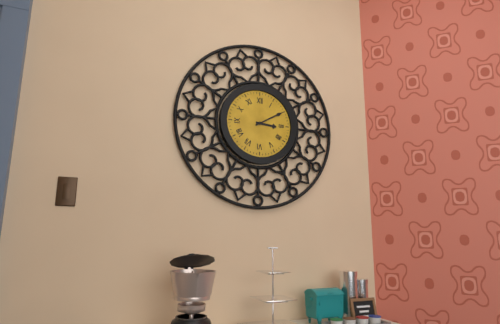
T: 3 h 10 min
